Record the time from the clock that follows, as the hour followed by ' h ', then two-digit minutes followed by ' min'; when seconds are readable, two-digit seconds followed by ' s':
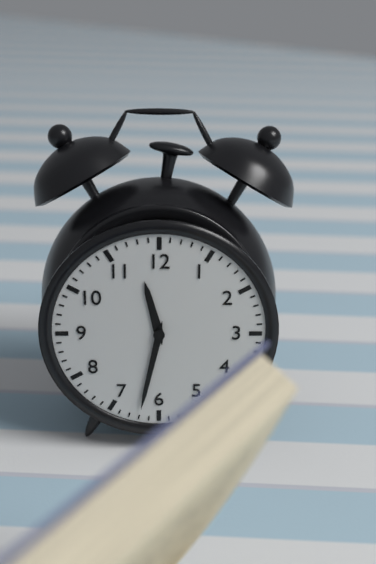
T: 11 h 32 min
